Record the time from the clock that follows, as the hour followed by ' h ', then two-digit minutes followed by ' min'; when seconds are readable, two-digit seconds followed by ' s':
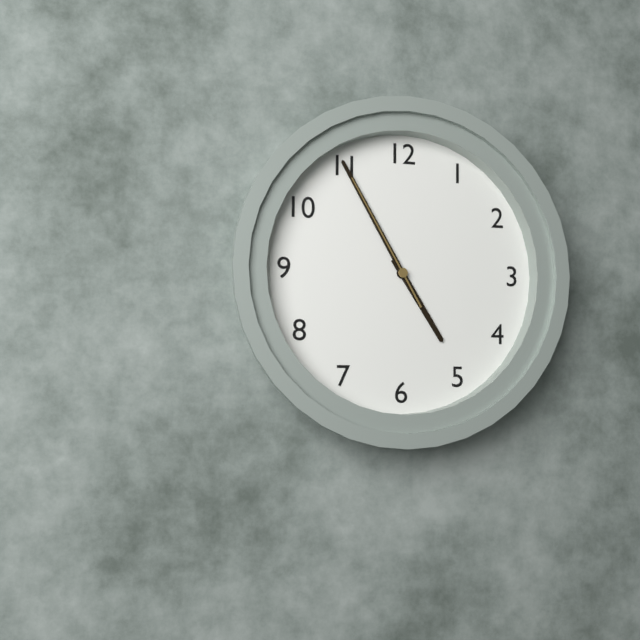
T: 4 h 55 min 55 s
